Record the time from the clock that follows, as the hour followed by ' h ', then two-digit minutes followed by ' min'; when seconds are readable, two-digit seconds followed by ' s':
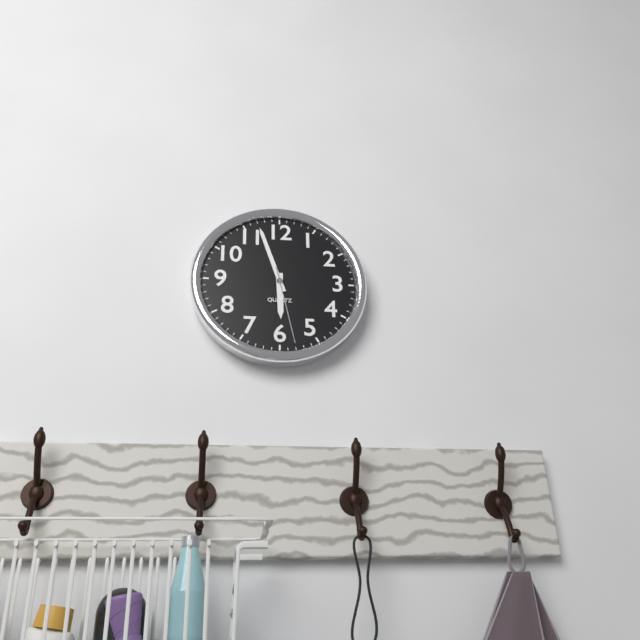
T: 5 h 57 min 28 s
